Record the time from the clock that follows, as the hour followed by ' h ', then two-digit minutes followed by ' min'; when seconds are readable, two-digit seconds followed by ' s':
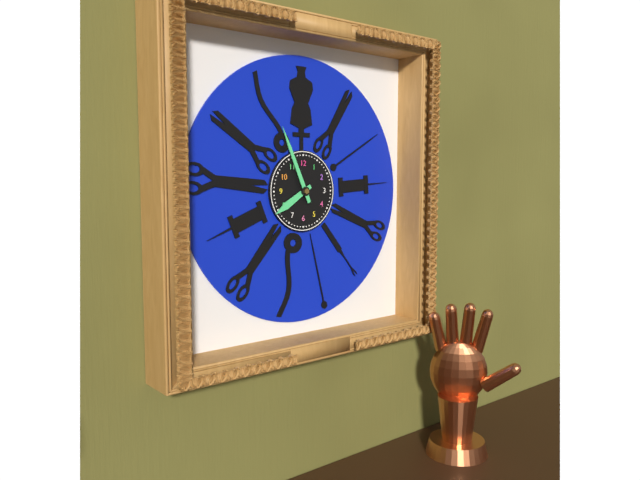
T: 7 h 56 min
